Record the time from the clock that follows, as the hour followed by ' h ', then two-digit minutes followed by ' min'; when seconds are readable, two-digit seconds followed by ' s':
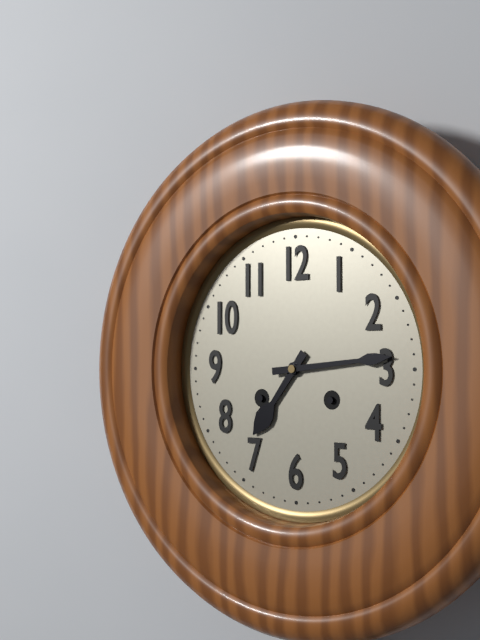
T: 7 h 14 min
